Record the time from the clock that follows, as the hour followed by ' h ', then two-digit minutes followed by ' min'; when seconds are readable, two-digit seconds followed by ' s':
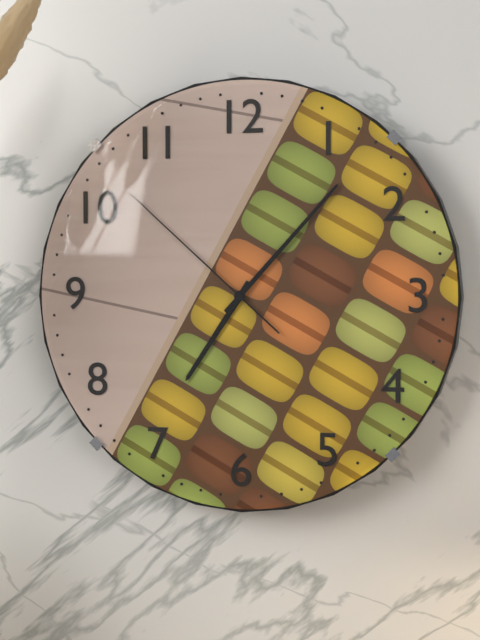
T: 7 h 07 min 52 s
